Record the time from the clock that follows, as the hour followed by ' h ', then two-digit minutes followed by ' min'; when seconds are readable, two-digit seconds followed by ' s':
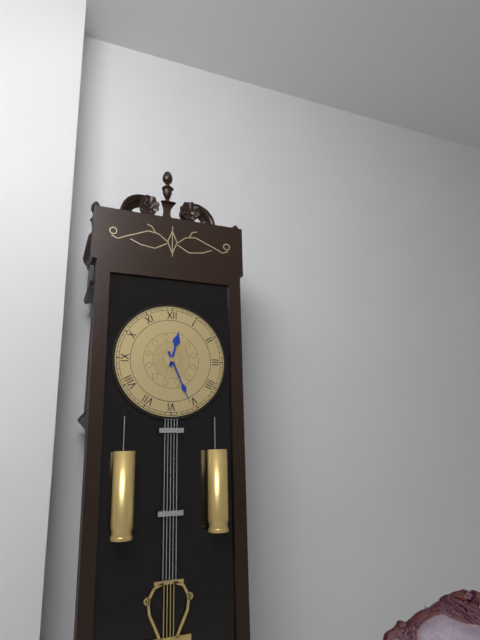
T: 12 h 26 min
